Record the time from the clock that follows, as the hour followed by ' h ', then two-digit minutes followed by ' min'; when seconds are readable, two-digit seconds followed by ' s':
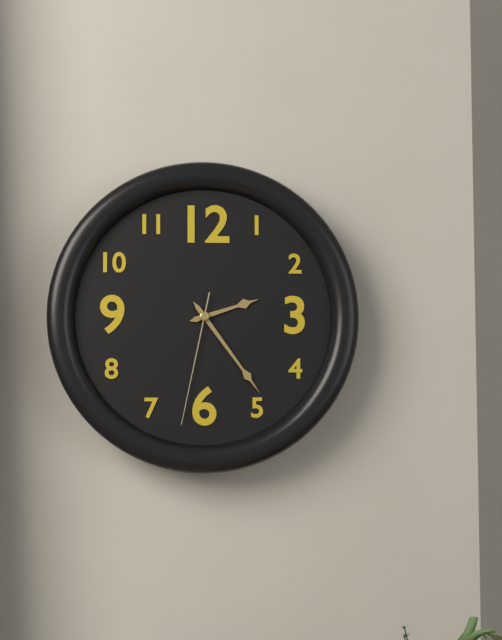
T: 2 h 24 min 32 s
